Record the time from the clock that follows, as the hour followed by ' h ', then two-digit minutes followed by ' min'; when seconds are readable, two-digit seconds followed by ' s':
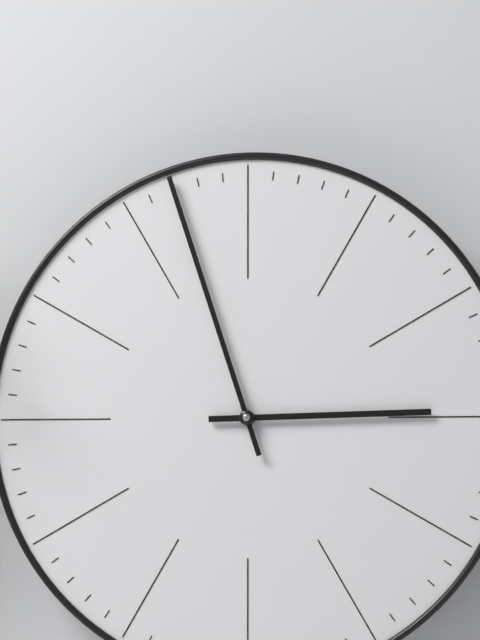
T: 2 h 57 min
